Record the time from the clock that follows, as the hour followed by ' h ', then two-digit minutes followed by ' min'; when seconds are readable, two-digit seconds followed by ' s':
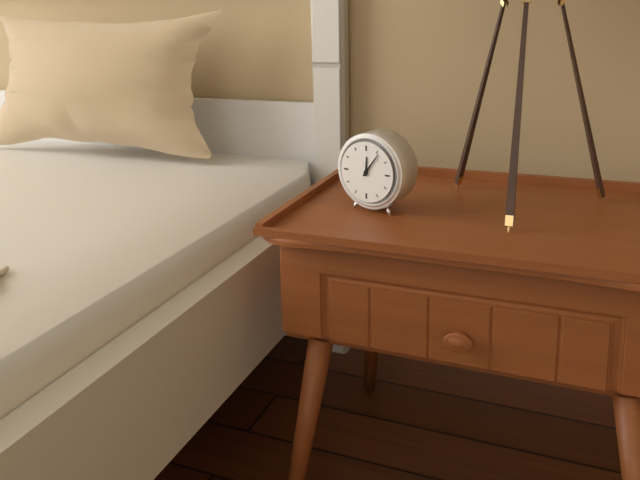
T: 12 h 06 min
